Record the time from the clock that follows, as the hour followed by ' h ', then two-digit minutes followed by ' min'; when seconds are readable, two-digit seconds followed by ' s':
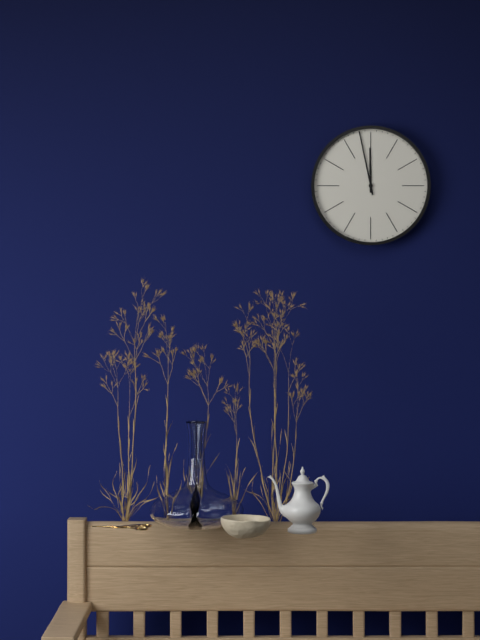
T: 11 h 58 min
